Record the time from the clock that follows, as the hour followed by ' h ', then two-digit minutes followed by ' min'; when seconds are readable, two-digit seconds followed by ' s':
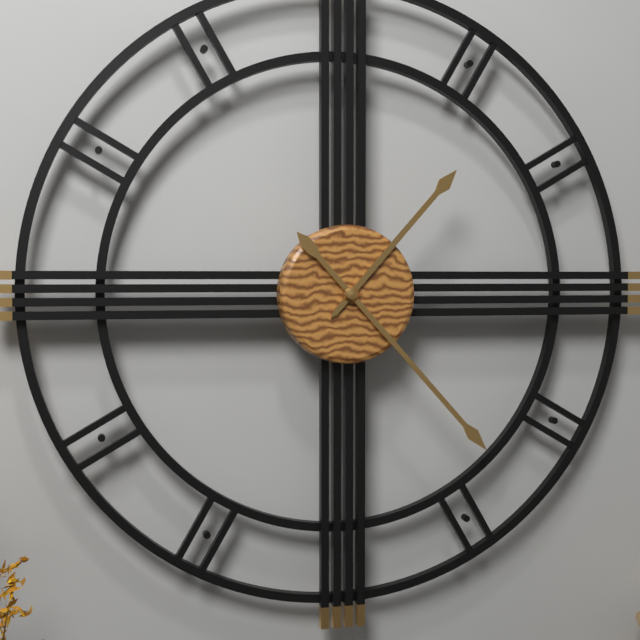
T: 1 h 23 min
